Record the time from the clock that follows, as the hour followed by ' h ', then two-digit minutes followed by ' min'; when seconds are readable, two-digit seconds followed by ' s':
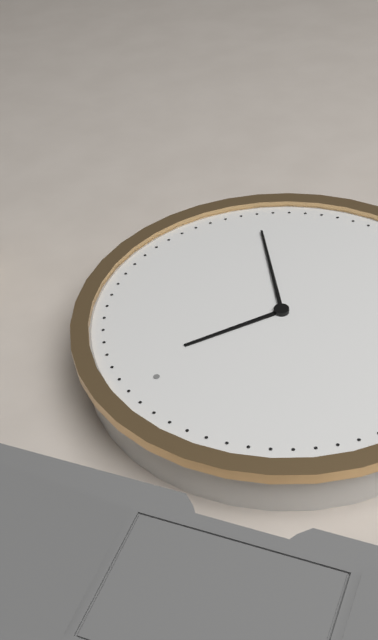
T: 12 h 20 min
